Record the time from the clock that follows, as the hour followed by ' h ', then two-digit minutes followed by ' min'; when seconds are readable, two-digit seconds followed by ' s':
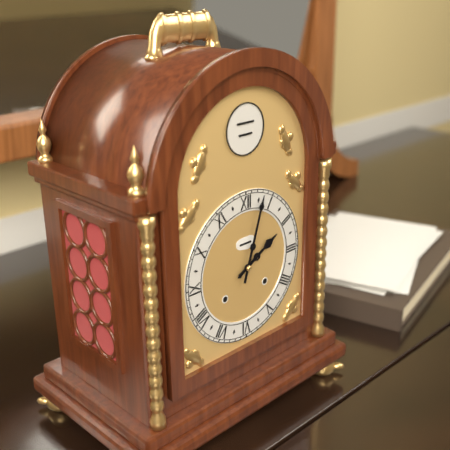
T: 2 h 03 min
